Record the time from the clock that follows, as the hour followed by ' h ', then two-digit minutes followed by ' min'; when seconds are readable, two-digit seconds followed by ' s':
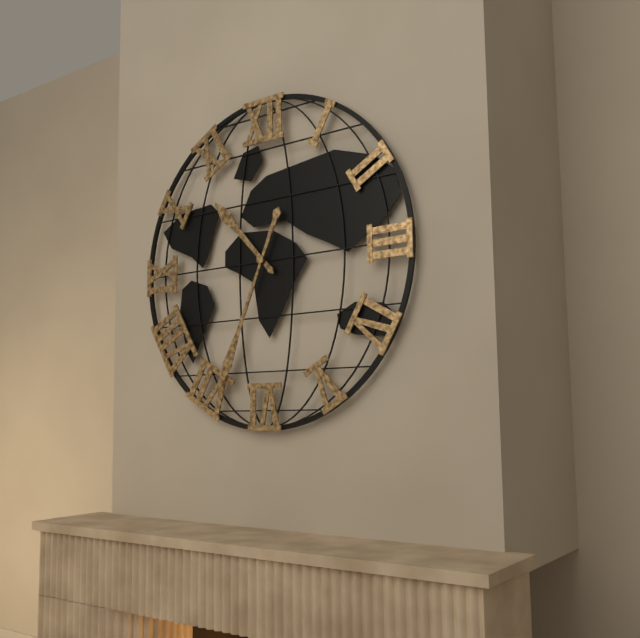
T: 10 h 34 min
